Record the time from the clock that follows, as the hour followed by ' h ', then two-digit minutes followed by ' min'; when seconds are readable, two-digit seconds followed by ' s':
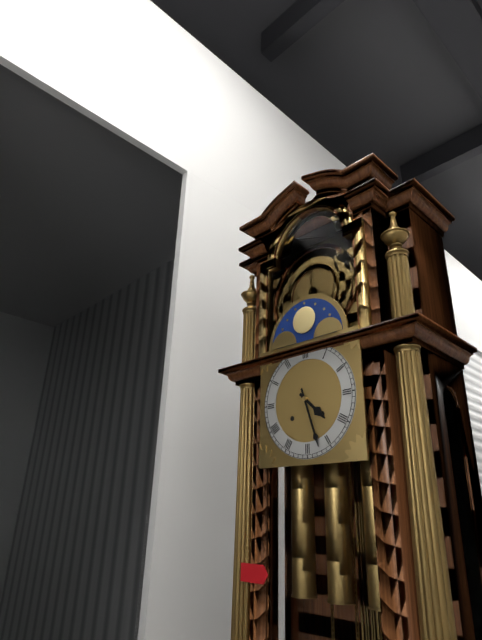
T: 4 h 27 min
